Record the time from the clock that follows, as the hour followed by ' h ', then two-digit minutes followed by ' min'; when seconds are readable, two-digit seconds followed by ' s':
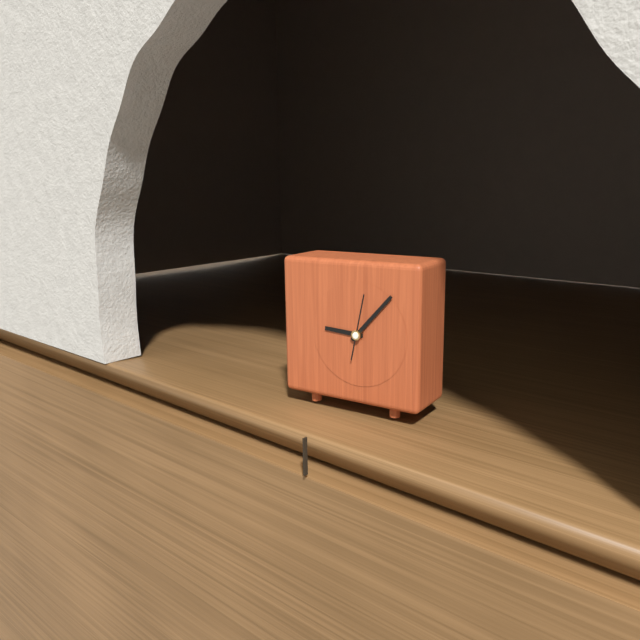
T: 9 h 07 min 02 s
